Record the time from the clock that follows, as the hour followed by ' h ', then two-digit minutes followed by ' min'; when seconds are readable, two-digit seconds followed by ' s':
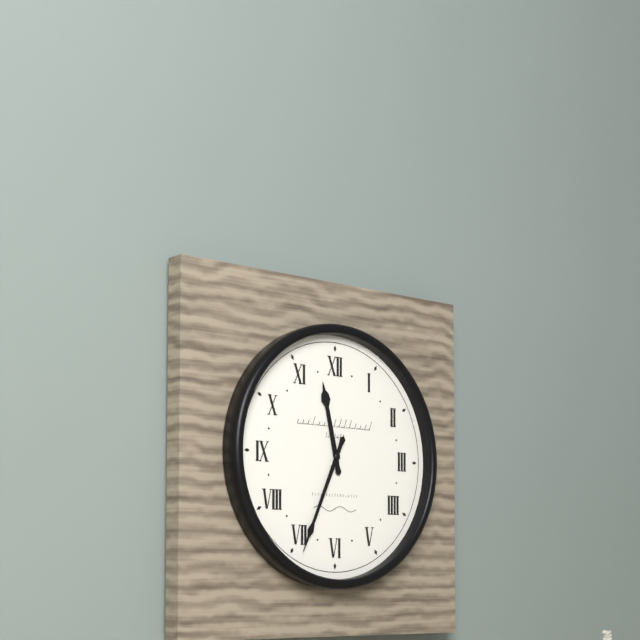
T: 11 h 34 min
